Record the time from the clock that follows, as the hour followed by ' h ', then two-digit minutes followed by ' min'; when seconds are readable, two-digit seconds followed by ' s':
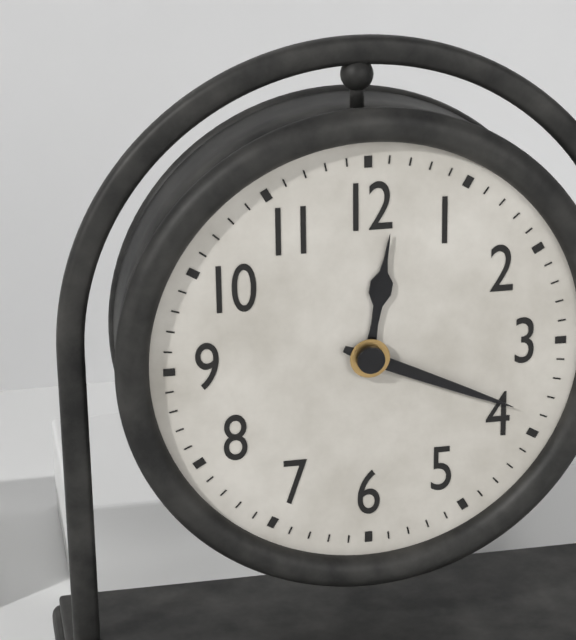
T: 12 h 19 min
